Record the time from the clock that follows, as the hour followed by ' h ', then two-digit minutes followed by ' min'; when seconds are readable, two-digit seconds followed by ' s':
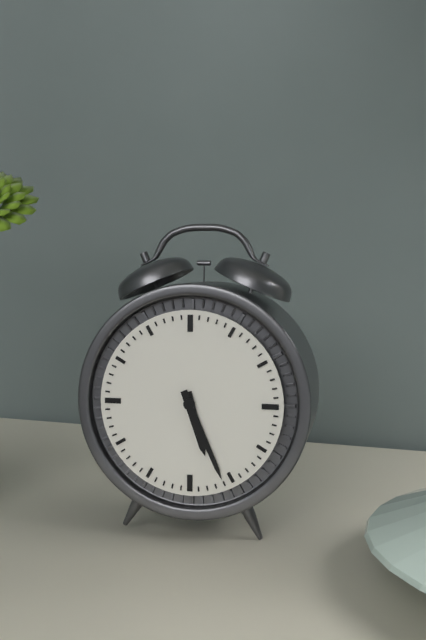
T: 5 h 26 min
